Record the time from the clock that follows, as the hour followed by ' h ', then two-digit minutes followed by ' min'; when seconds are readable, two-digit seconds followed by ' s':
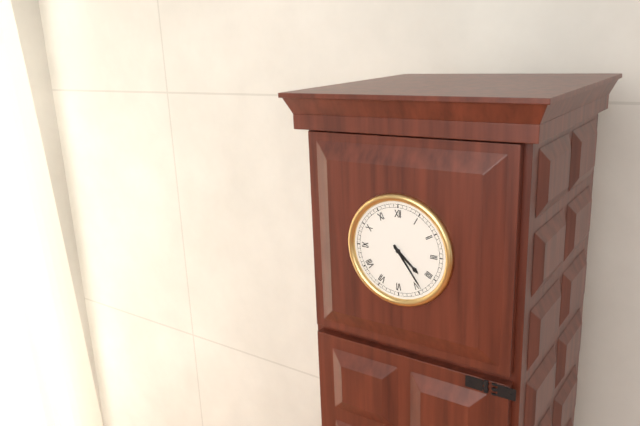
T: 4 h 24 min
